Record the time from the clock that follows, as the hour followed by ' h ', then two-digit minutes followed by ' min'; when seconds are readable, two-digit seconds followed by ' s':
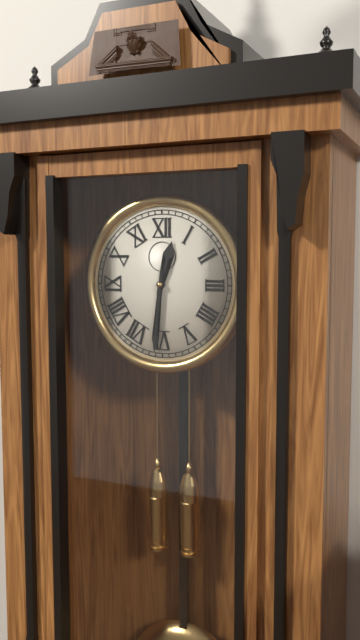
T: 12 h 31 min
